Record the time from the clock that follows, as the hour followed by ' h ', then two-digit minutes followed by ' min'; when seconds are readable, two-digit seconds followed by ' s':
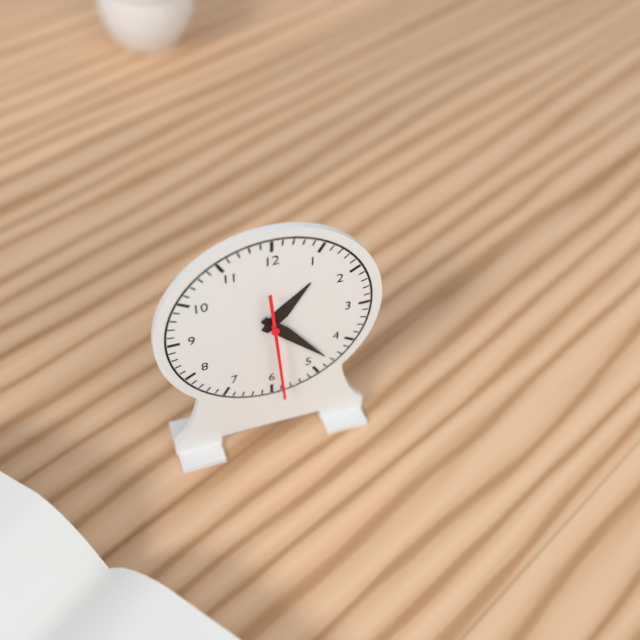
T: 1 h 23 min 29 s
